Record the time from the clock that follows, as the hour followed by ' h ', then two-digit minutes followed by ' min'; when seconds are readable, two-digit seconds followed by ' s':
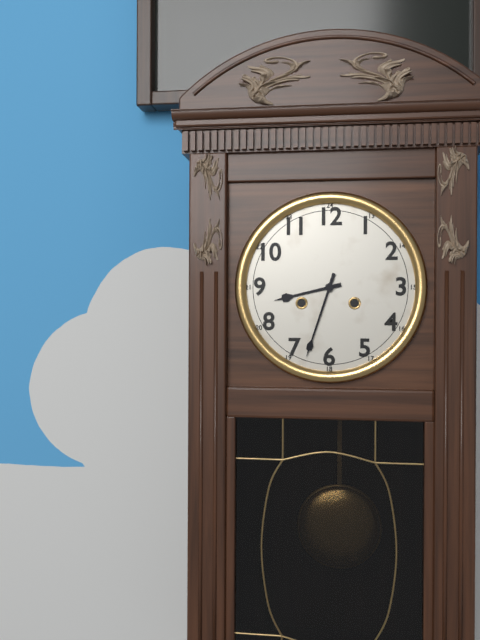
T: 8 h 33 min
